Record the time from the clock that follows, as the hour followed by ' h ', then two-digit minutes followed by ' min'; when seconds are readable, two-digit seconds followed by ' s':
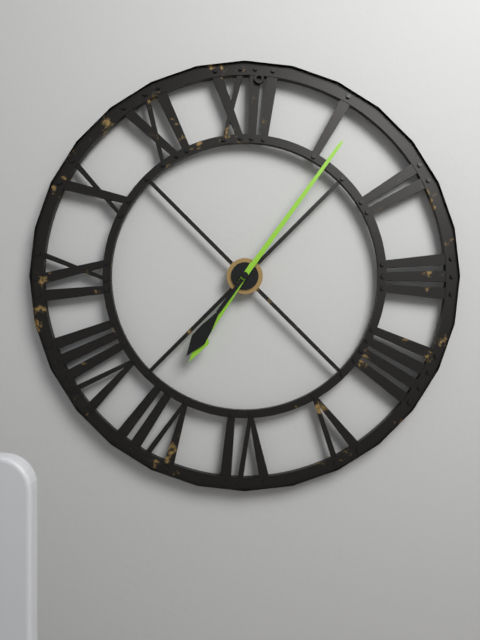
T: 7 h 06 min
